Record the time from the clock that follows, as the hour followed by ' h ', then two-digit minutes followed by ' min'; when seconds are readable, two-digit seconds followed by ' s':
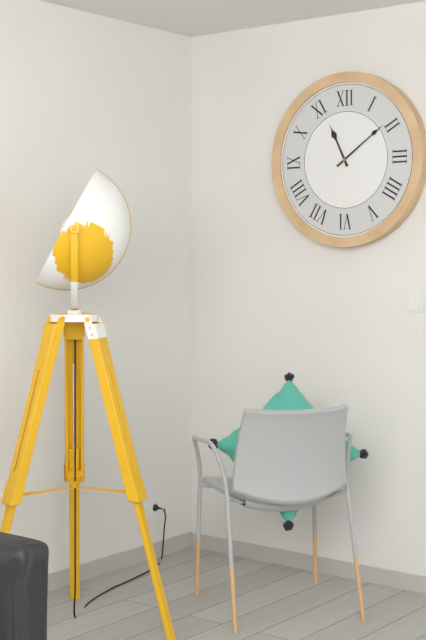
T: 11 h 09 min
